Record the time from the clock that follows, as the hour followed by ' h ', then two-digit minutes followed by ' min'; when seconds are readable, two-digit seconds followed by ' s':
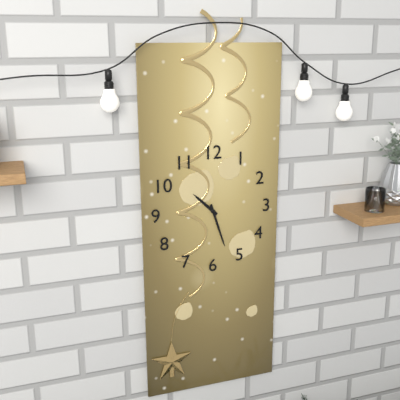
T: 10 h 27 min
